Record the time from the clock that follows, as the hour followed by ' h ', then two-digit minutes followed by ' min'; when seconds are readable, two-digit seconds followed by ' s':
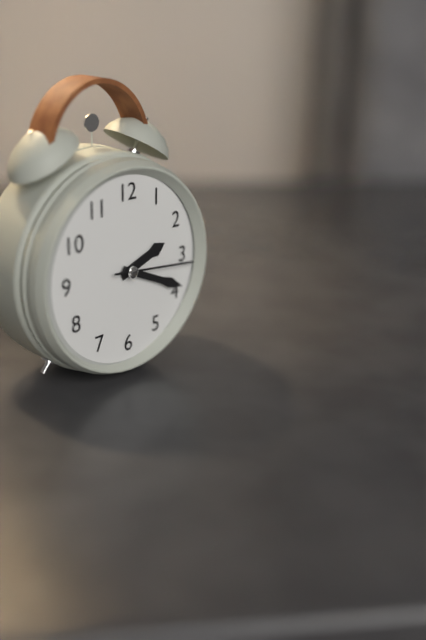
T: 2 h 19 min 16 s
